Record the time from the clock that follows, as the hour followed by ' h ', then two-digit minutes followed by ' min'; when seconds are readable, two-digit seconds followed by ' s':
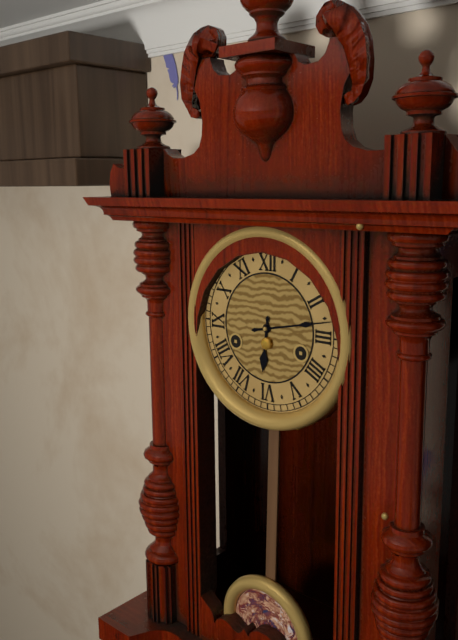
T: 6 h 13 min
